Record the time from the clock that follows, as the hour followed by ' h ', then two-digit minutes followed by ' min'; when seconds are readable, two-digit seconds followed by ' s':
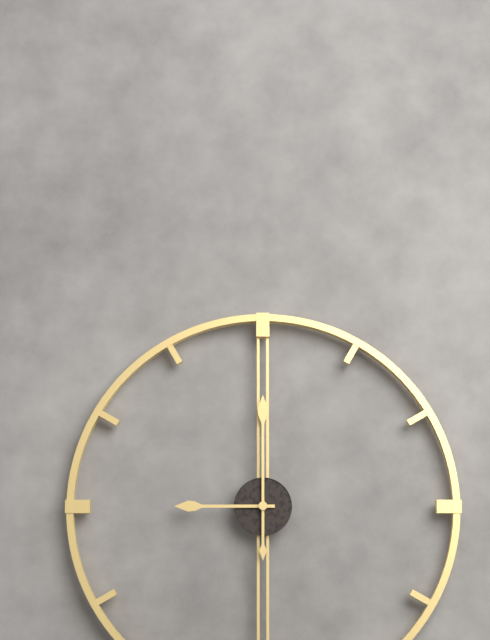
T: 9 h 00 min
